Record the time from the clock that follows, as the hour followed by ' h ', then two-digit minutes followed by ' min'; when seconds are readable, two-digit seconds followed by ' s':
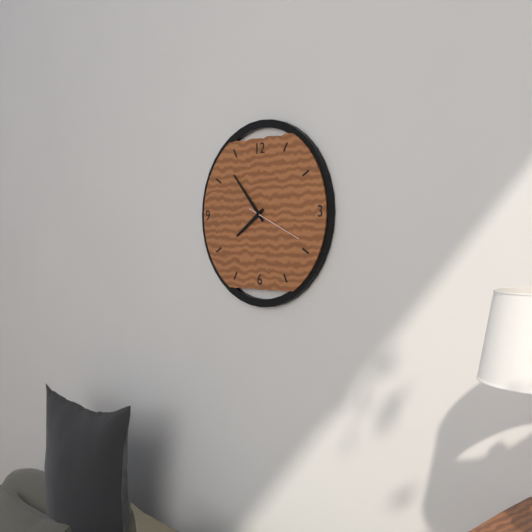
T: 7 h 53 min 19 s
